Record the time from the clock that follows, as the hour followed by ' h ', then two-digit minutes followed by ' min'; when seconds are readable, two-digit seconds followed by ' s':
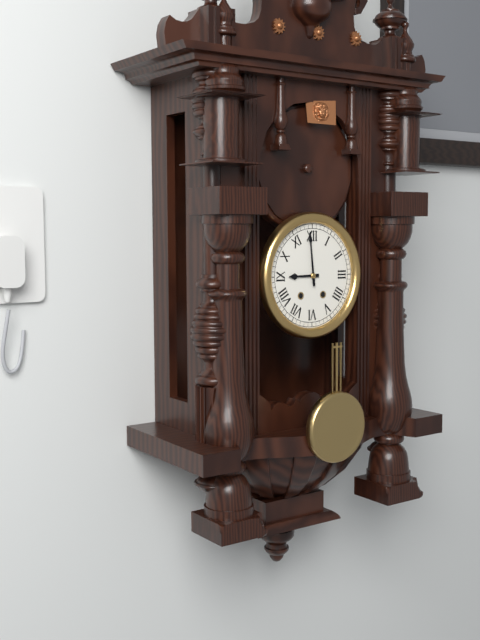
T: 8 h 59 min
